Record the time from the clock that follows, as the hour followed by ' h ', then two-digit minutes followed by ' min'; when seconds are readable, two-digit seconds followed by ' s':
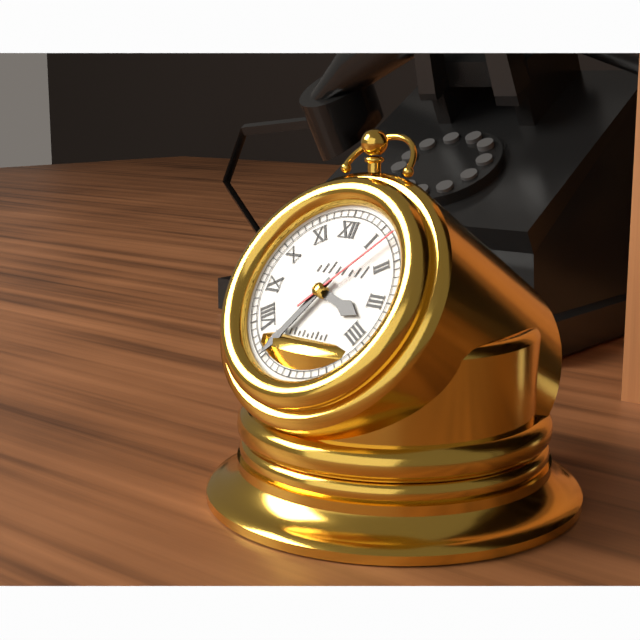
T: 3 h 35 min 07 s
